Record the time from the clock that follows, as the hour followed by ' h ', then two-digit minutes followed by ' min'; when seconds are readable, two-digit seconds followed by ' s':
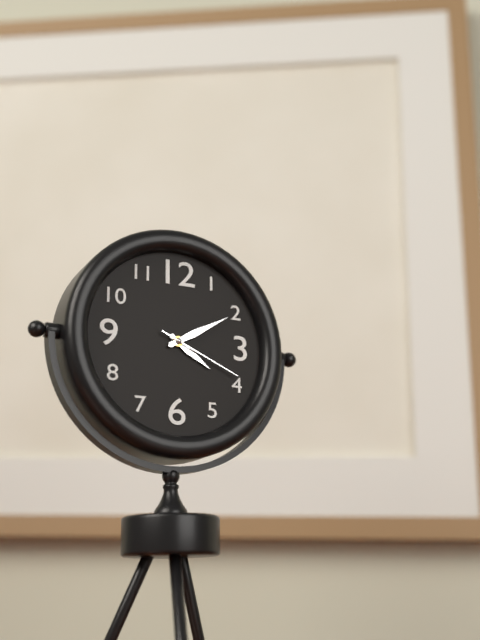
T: 4 h 10 min 19 s
